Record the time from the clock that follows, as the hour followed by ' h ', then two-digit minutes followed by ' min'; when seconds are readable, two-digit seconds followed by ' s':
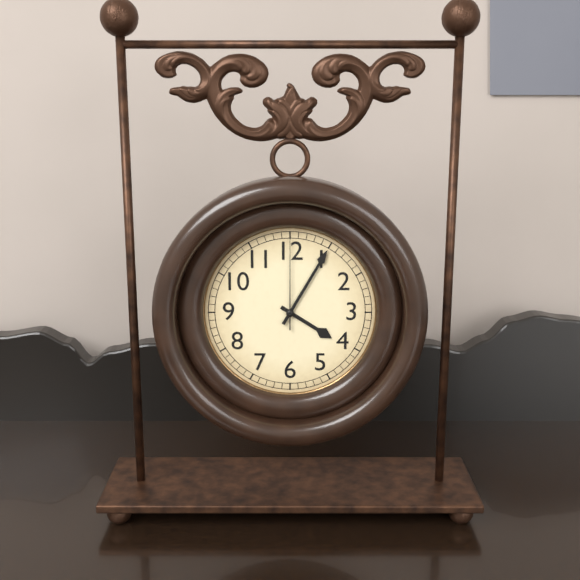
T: 4 h 05 min 00 s
